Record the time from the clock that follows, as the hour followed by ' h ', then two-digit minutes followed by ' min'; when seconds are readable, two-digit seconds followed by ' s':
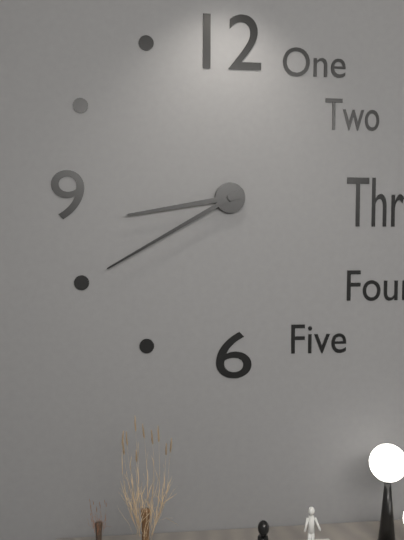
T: 8 h 40 min
